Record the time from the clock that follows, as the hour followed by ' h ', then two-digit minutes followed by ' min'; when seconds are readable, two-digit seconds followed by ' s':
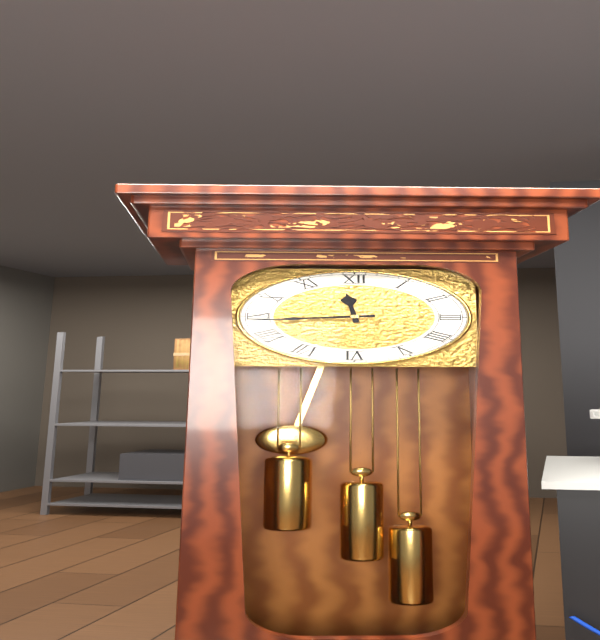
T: 11 h 44 min
